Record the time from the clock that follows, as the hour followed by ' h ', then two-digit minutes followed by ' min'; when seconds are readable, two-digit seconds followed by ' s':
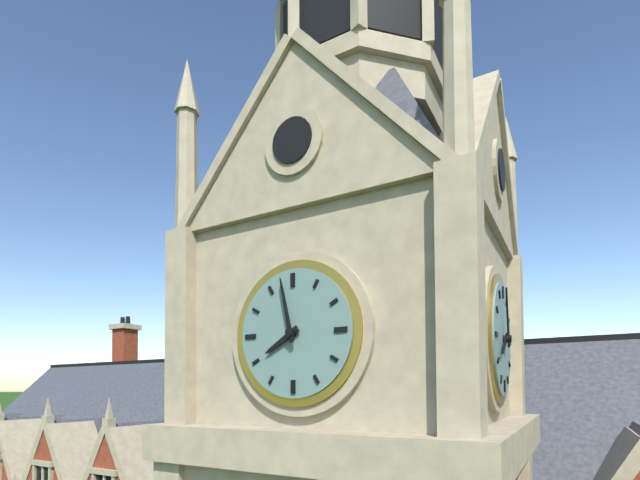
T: 7 h 58 min
